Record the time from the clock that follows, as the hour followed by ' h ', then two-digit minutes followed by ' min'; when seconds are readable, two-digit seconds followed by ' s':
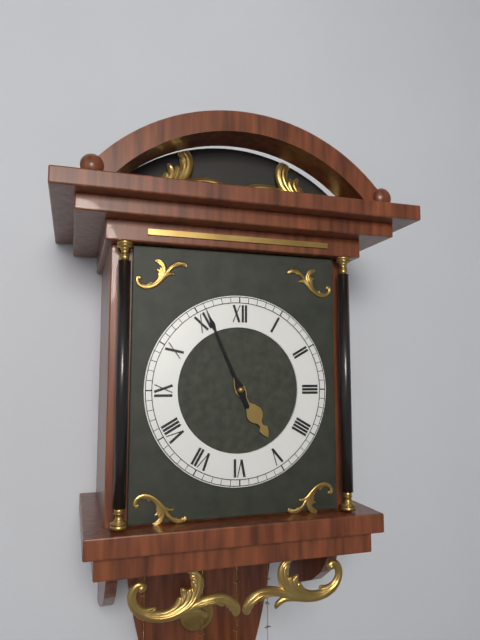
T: 4 h 56 min
